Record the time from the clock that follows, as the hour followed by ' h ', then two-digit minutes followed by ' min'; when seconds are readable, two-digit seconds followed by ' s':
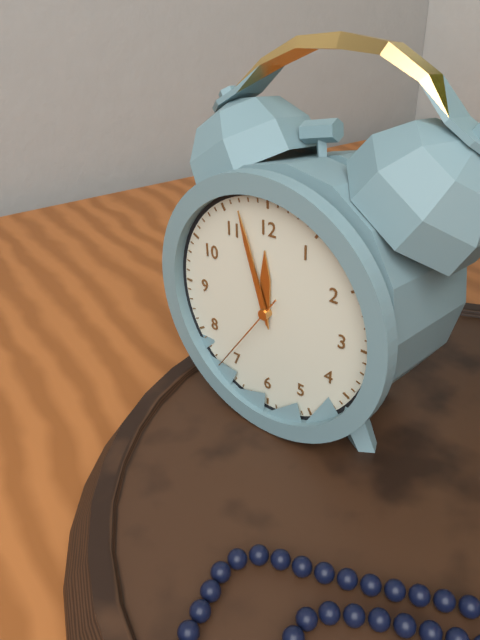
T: 11 h 57 min 36 s
